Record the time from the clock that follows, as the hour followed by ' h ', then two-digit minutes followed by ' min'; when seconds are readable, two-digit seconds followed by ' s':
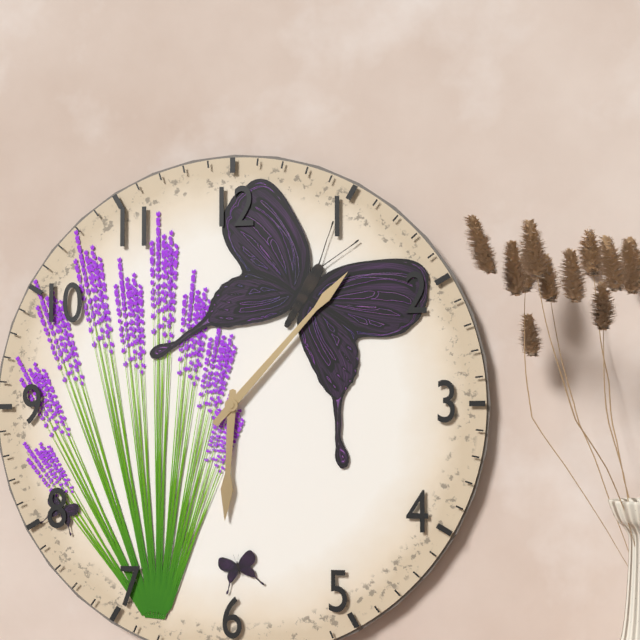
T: 6 h 07 min
